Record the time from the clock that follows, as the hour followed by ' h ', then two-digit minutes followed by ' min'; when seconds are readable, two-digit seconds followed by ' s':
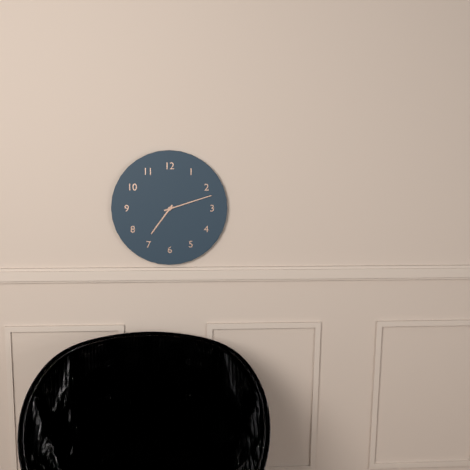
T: 7 h 12 min
